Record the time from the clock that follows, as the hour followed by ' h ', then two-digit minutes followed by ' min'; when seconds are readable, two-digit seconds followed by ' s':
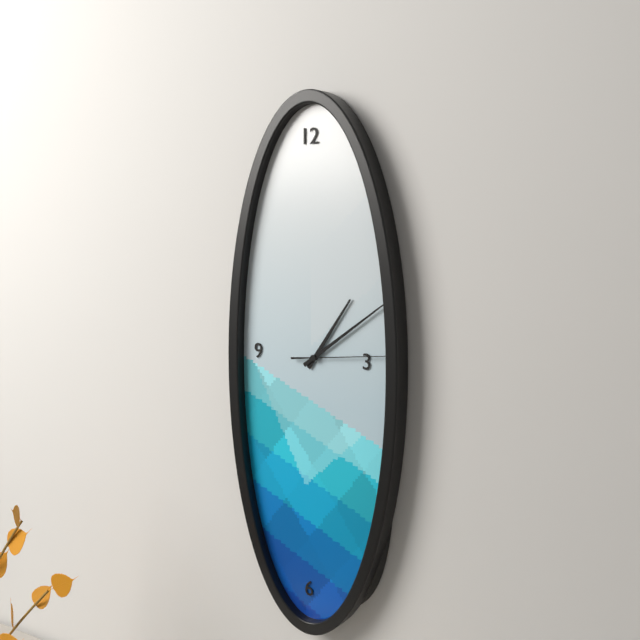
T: 1 h 09 min 14 s
